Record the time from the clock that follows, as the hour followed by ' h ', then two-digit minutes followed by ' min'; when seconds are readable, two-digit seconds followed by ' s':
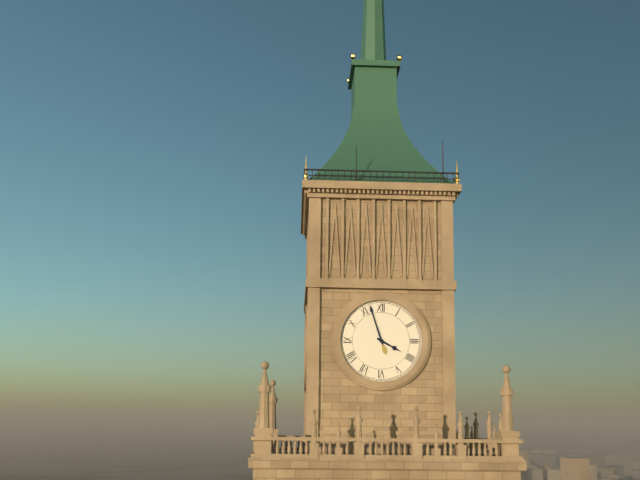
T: 3 h 57 min
